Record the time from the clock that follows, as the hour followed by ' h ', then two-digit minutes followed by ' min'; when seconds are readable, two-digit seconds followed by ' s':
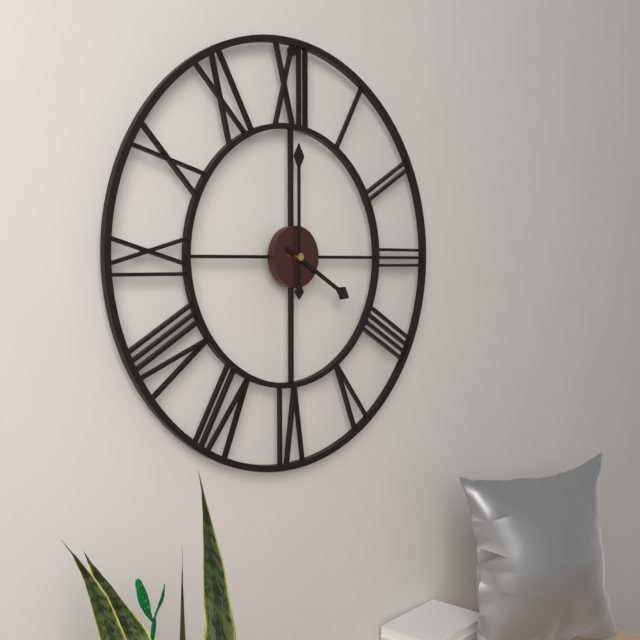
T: 4 h 00 min
